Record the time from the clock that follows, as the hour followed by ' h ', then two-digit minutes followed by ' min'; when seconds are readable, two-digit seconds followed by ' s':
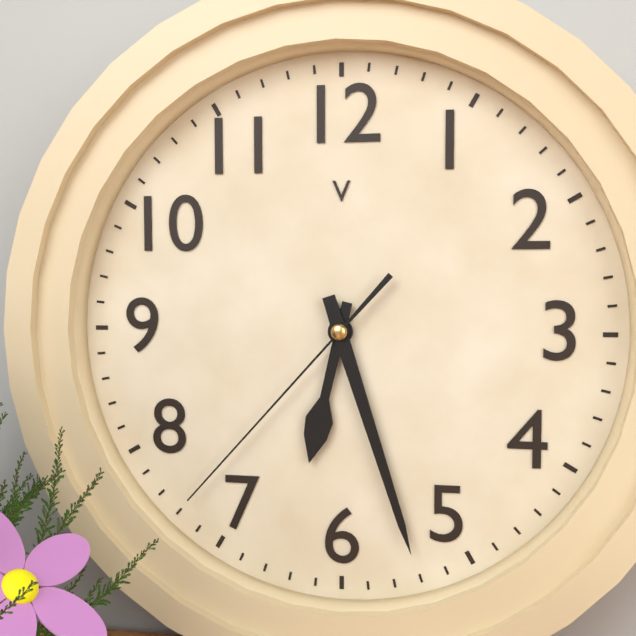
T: 6 h 27 min 37 s
